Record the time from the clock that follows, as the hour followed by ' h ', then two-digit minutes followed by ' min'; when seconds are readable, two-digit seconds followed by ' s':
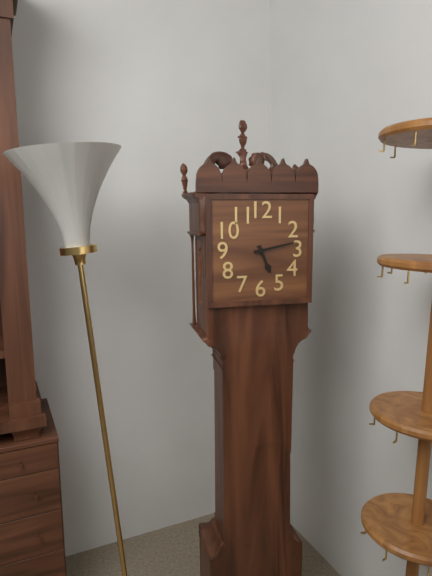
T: 5 h 13 min
